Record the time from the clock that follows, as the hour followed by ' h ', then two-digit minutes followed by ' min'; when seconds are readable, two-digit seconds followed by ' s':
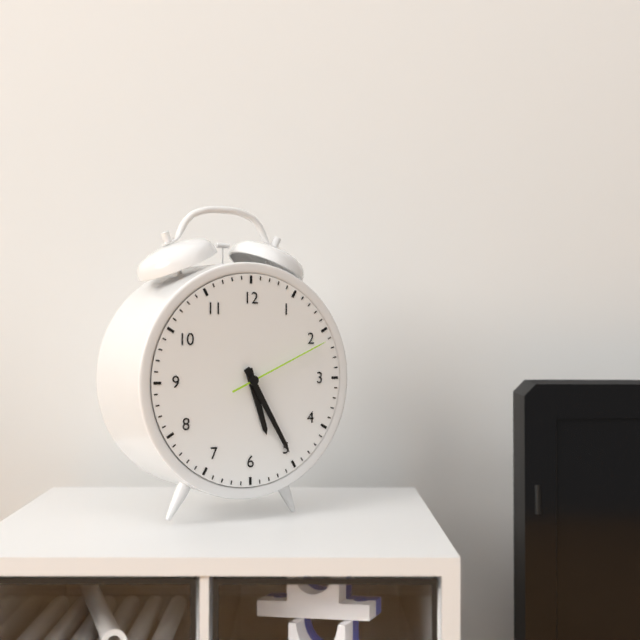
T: 5 h 25 min 11 s
